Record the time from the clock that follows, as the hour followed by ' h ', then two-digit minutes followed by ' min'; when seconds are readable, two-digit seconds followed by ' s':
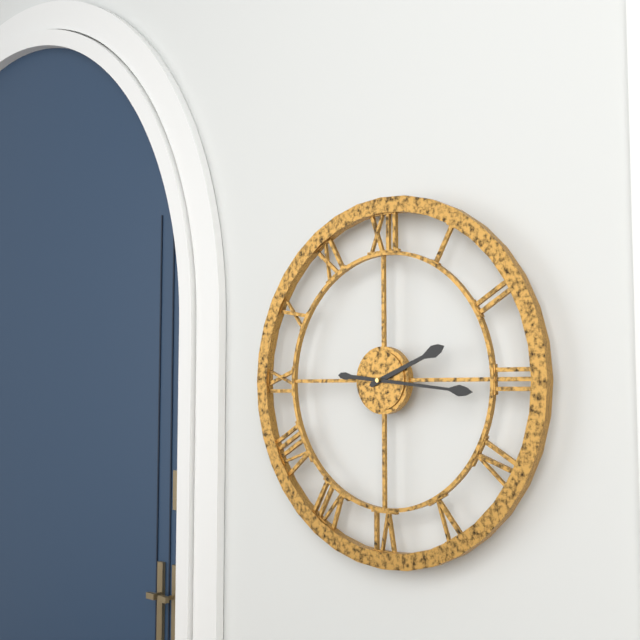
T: 2 h 16 min
